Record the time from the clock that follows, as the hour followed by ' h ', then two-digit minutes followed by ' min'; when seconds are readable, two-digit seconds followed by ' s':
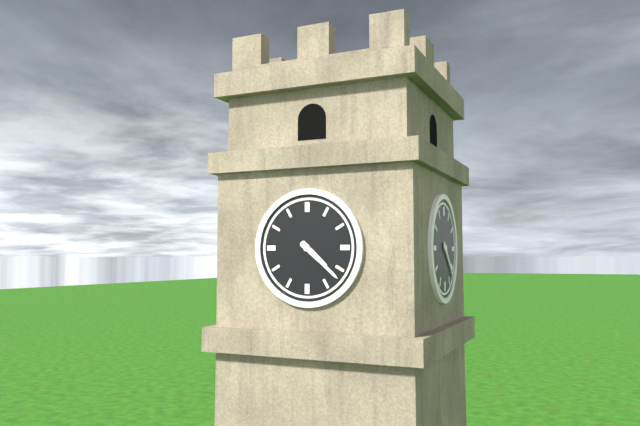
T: 4 h 22 min
